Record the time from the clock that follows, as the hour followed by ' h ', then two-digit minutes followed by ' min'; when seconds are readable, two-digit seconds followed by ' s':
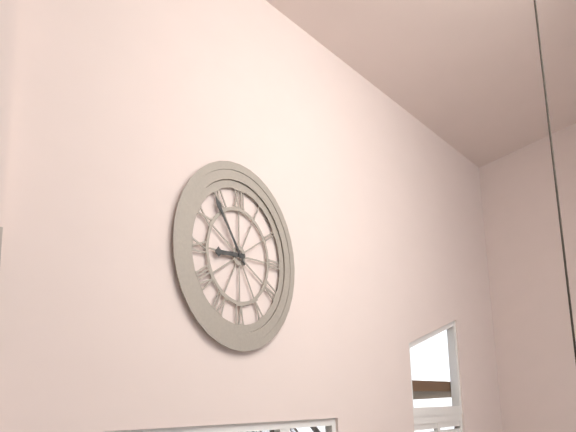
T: 8 h 54 min
